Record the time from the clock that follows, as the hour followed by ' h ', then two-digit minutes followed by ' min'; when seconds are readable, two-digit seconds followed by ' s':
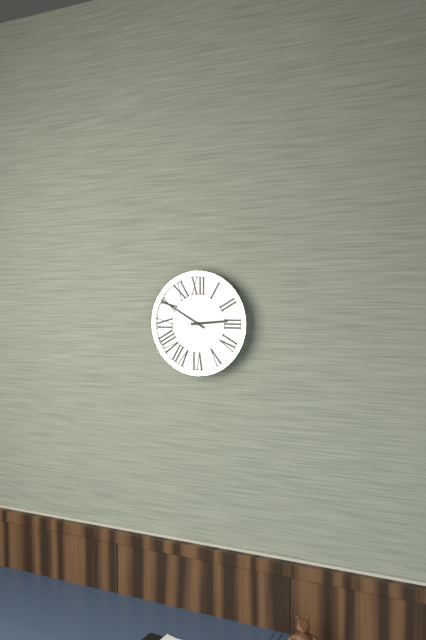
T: 2 h 50 min
